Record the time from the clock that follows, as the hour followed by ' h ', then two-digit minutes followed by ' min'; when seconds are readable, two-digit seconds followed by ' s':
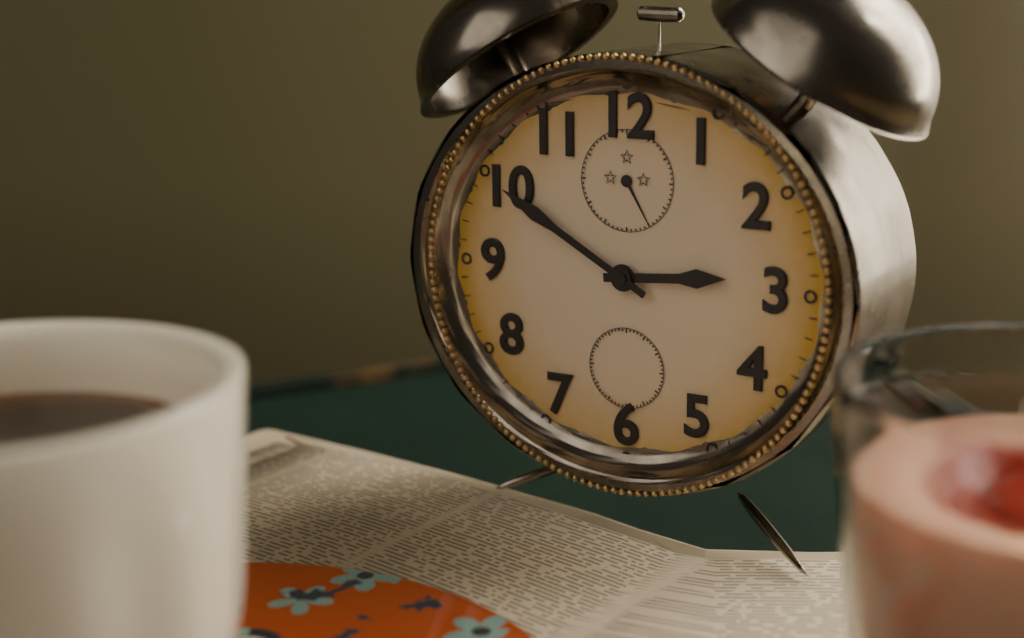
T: 2 h 50 min
